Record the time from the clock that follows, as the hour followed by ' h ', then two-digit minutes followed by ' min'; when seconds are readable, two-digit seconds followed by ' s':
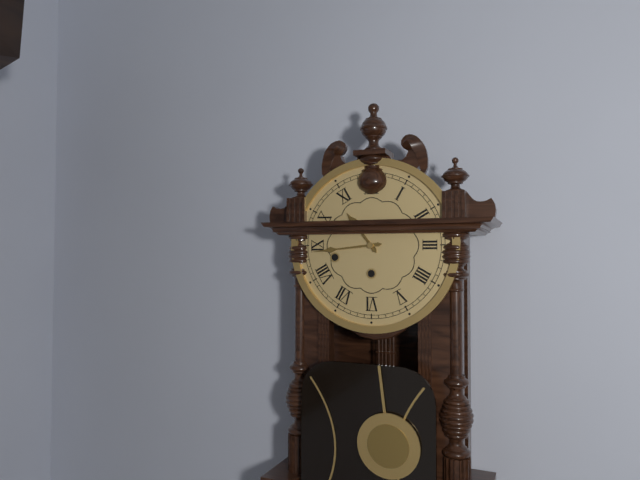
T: 10 h 44 min
